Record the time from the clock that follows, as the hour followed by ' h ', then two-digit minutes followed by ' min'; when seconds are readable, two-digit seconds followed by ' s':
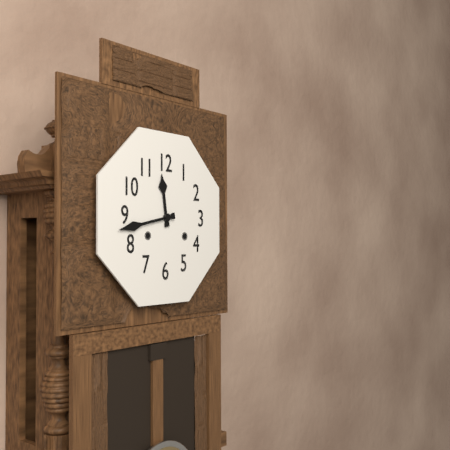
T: 11 h 43 min
